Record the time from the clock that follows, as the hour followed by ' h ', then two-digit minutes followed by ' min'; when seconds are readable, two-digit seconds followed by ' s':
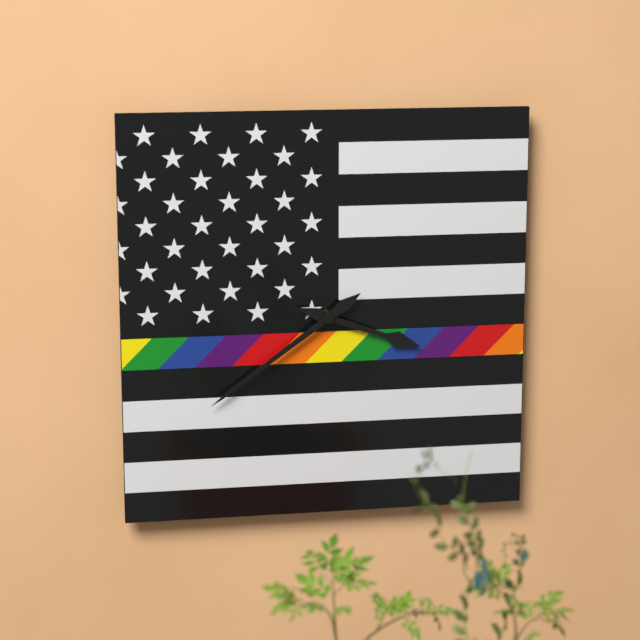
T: 3 h 39 min
